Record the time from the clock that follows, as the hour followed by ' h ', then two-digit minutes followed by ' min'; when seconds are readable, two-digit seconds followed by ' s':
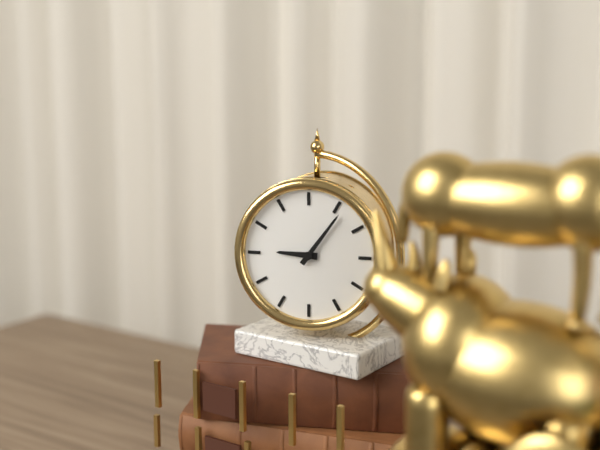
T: 9 h 06 min
